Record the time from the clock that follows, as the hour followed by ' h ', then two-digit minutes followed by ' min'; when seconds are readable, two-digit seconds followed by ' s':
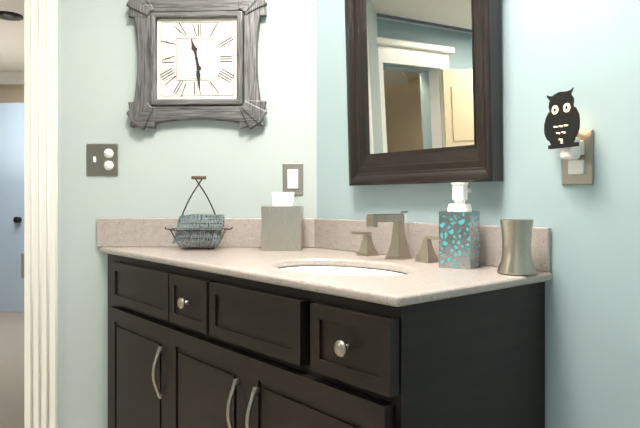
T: 11 h 29 min
